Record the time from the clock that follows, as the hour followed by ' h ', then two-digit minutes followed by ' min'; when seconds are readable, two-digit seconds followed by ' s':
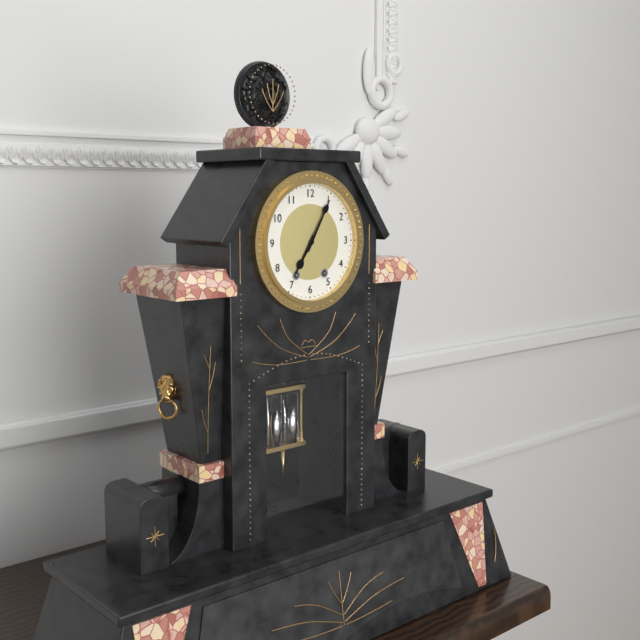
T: 7 h 05 min
